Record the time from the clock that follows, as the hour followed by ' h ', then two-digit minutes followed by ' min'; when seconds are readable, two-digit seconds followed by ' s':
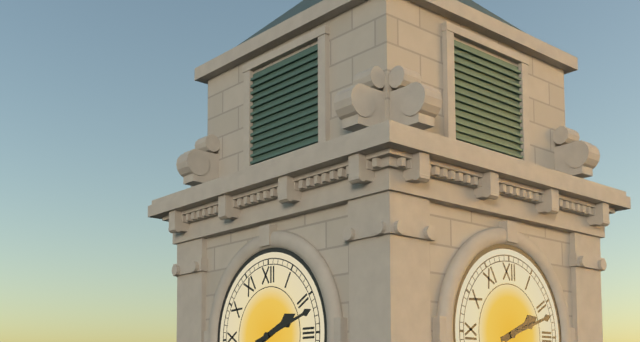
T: 2 h 12 min
